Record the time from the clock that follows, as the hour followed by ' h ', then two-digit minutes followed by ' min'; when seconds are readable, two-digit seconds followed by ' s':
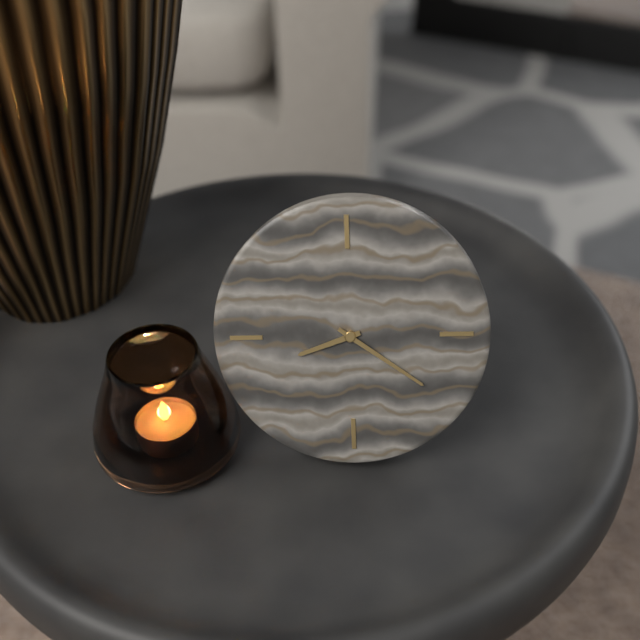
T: 8 h 21 min
